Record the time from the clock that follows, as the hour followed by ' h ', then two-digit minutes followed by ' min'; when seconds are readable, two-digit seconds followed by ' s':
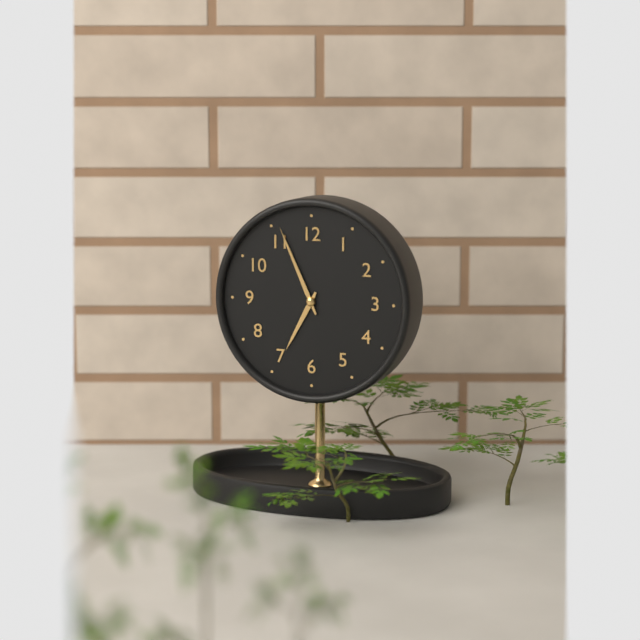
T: 6 h 56 min
